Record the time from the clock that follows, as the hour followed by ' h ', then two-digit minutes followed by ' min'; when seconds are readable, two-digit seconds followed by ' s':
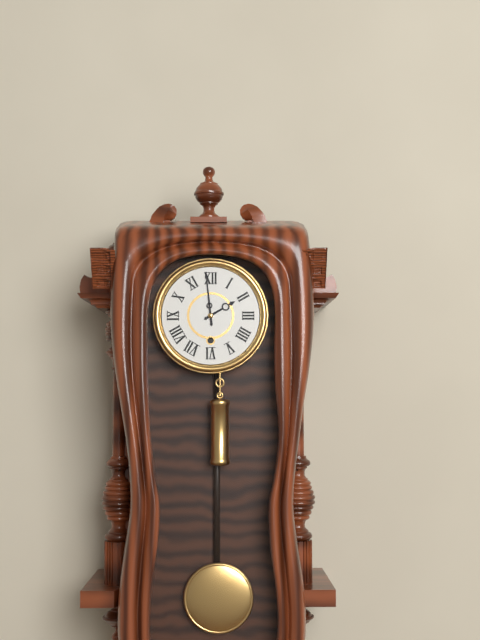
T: 1 h 59 min
